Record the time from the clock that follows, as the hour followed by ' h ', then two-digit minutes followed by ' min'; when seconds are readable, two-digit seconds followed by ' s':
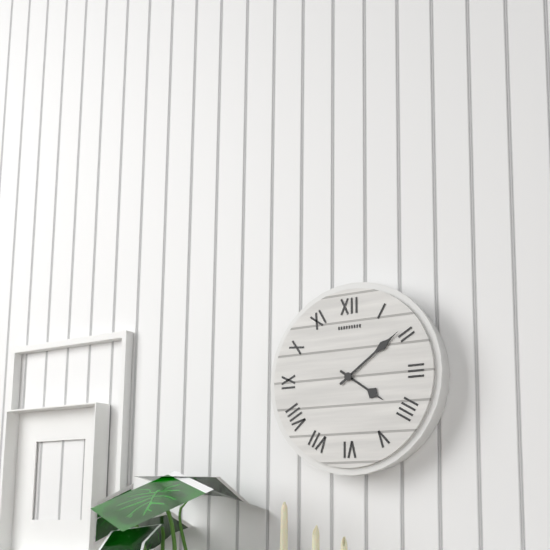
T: 4 h 09 min
